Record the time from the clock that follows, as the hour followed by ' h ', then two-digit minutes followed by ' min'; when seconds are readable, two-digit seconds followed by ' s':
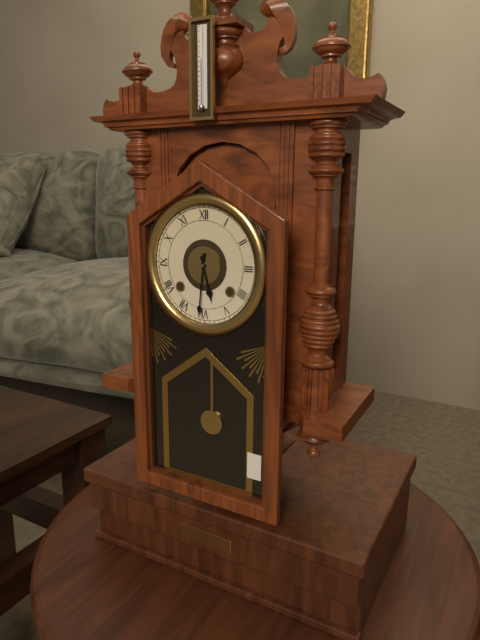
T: 5 h 31 min
